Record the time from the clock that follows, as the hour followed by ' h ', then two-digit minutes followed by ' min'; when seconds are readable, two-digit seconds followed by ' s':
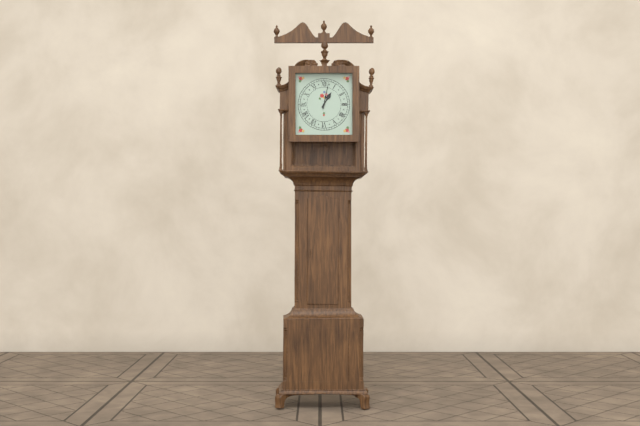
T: 1 h 02 min
